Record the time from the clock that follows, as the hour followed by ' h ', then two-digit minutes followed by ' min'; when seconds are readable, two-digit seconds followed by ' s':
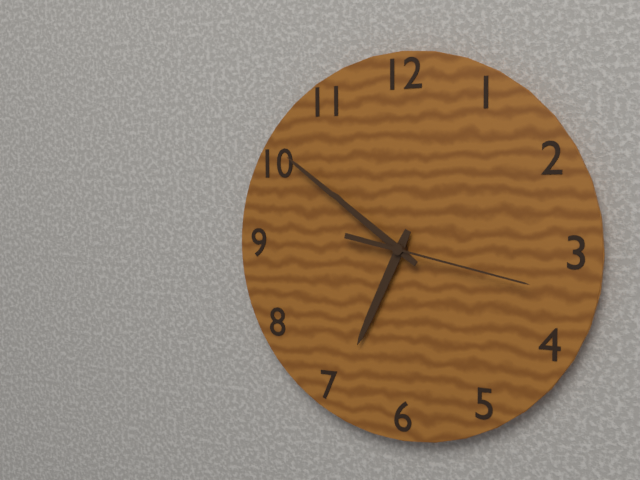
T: 6 h 51 min 17 s
